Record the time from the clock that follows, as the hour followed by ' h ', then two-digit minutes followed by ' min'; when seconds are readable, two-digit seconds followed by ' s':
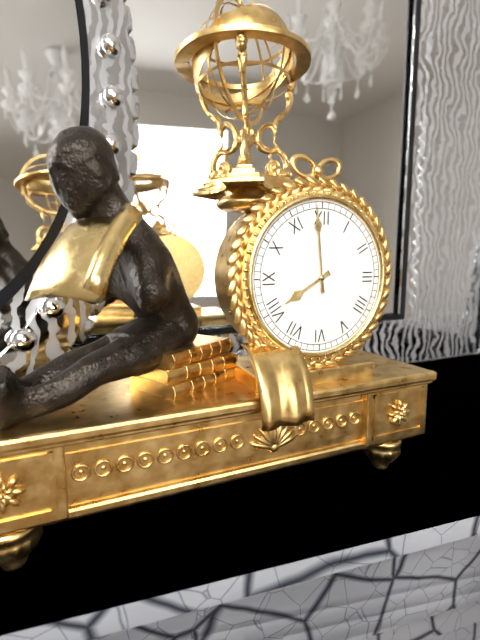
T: 7 h 59 min
